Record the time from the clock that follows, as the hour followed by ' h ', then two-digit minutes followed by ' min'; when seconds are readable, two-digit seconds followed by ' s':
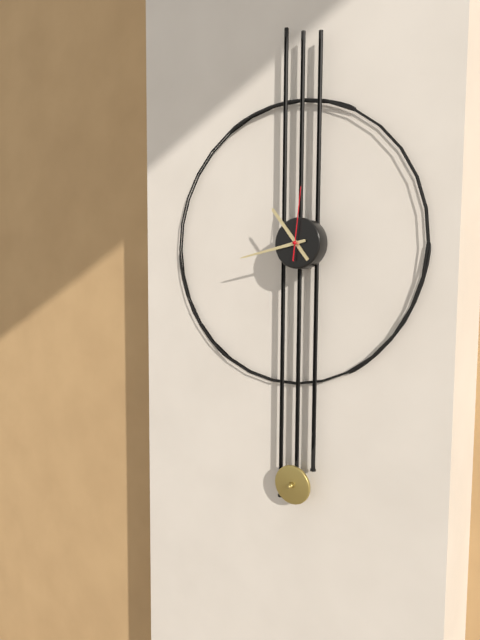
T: 10 h 43 min 01 s
